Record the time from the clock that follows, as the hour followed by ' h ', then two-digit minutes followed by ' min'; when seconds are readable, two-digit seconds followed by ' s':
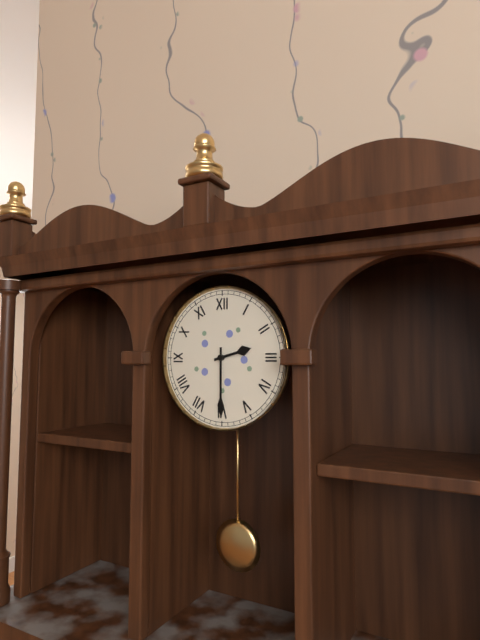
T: 2 h 30 min
